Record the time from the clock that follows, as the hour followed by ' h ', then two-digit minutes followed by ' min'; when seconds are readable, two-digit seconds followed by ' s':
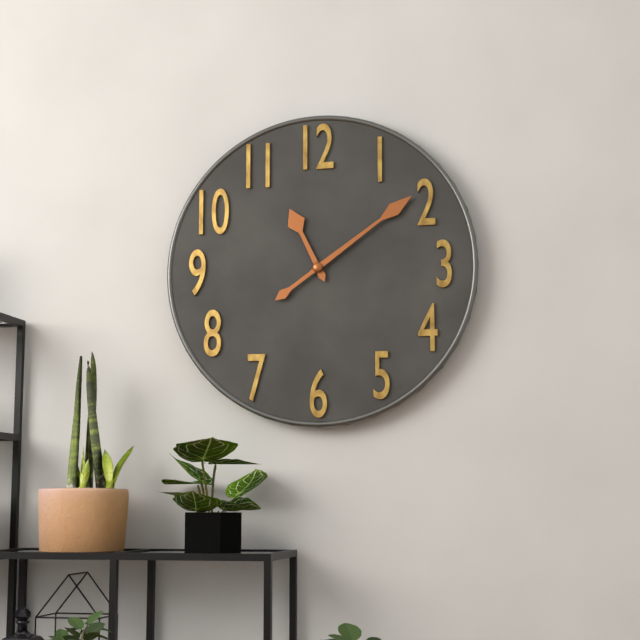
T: 11 h 09 min
